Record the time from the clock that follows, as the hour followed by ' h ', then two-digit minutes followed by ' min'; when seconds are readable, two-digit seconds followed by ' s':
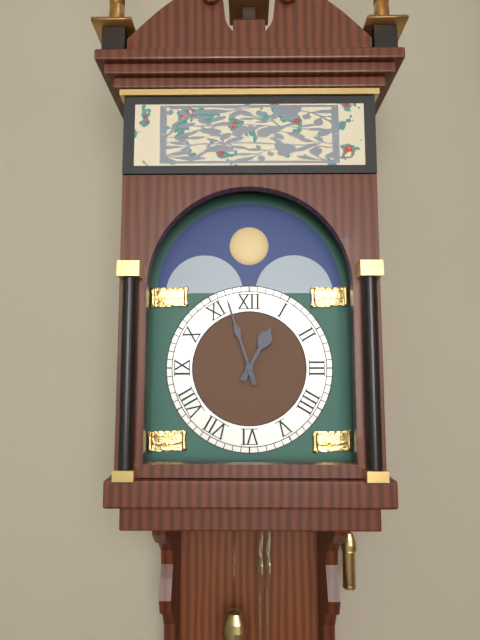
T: 12 h 57 min
